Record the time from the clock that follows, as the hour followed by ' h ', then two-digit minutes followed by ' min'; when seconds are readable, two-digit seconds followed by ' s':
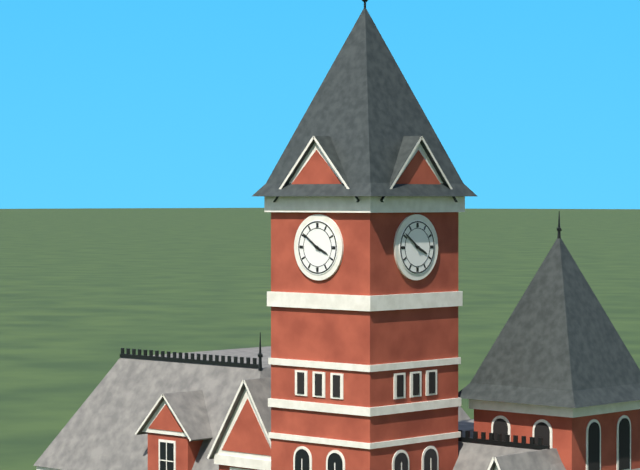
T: 3 h 51 min
